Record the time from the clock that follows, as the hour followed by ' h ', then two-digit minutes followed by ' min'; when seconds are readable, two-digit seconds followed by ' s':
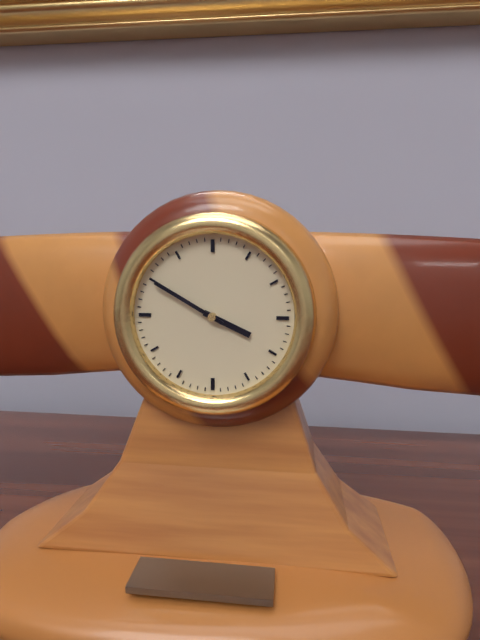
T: 3 h 50 min
